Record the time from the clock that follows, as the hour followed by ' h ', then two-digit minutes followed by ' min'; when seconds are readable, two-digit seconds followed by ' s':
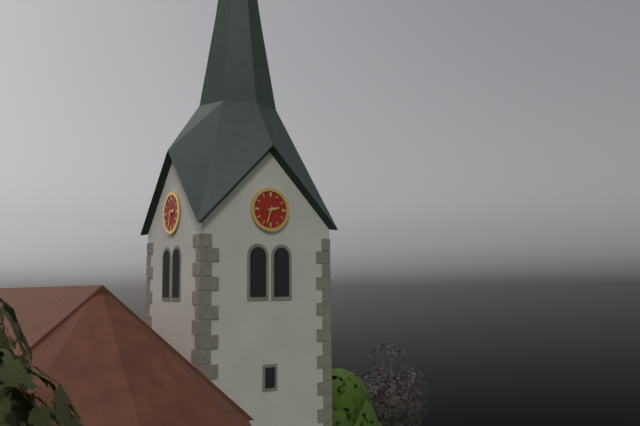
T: 2 h 33 min
